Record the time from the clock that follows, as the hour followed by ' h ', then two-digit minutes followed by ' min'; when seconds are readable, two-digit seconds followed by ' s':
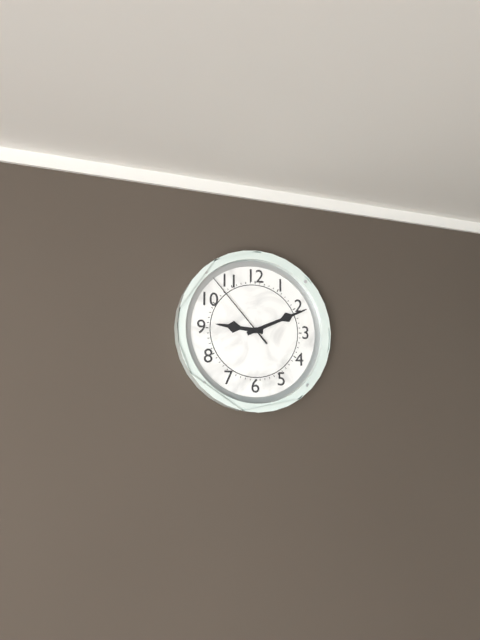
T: 9 h 11 min 53 s
